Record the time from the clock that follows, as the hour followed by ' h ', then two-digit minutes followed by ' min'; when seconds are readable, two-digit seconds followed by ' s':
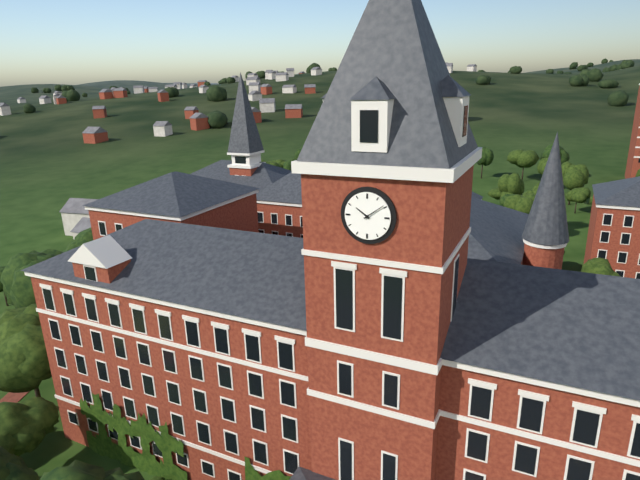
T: 10 h 09 min
